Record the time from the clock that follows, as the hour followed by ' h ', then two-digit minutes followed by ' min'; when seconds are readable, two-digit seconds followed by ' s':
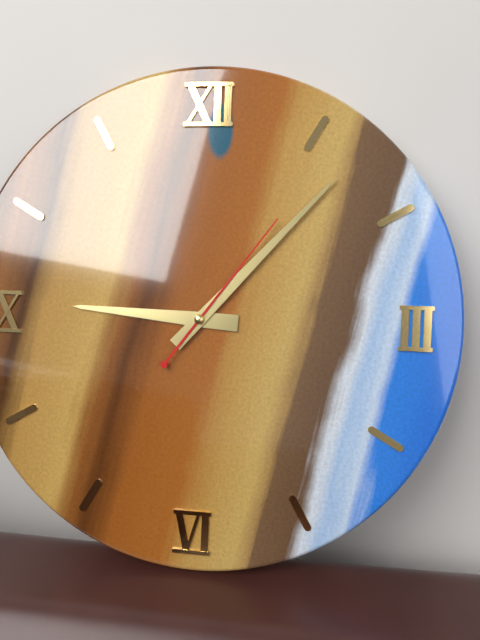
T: 9 h 07 min 06 s
